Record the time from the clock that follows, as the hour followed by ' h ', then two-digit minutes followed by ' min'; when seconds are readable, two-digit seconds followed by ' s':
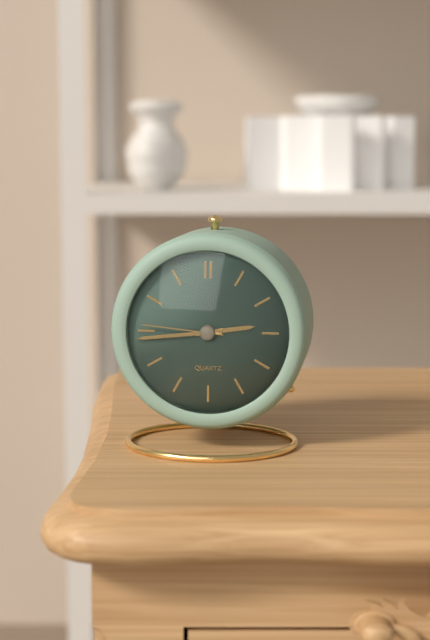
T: 2 h 44 min 46 s
